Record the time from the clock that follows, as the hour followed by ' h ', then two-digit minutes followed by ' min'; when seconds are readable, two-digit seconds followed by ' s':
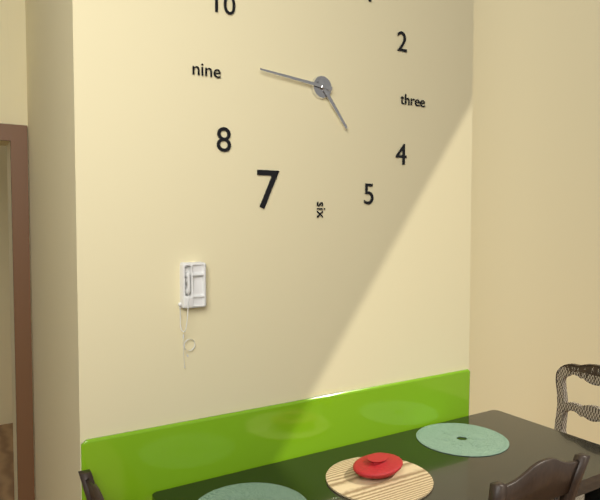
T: 4 h 46 min
